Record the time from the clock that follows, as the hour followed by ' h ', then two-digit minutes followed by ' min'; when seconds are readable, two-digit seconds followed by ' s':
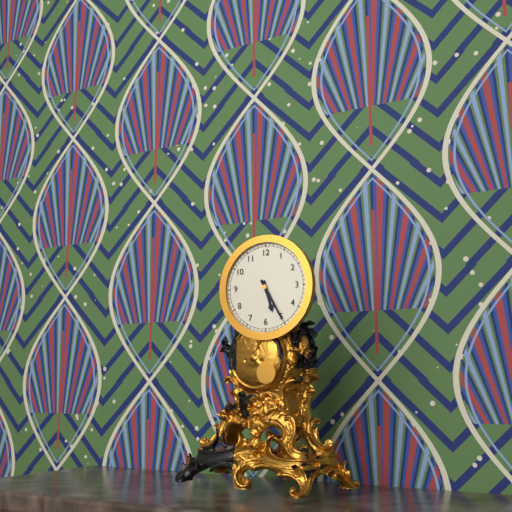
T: 5 h 25 min
